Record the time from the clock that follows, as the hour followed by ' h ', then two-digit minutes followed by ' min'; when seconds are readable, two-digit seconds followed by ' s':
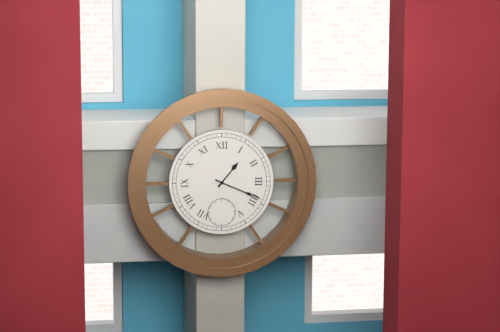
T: 1 h 19 min
